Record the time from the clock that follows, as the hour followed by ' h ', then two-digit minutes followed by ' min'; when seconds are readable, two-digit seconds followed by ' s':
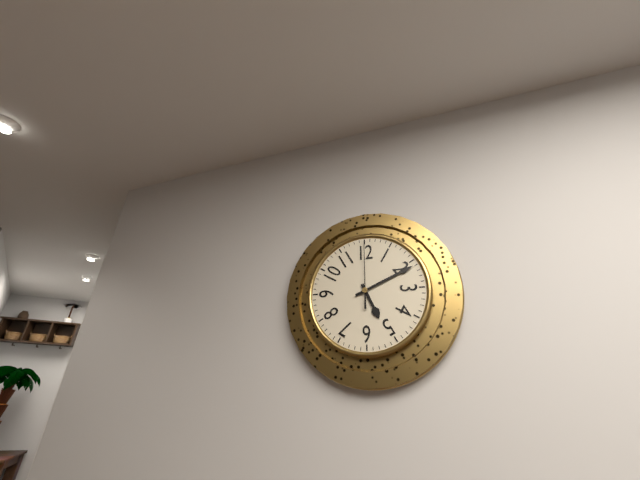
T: 5 h 11 min 00 s
